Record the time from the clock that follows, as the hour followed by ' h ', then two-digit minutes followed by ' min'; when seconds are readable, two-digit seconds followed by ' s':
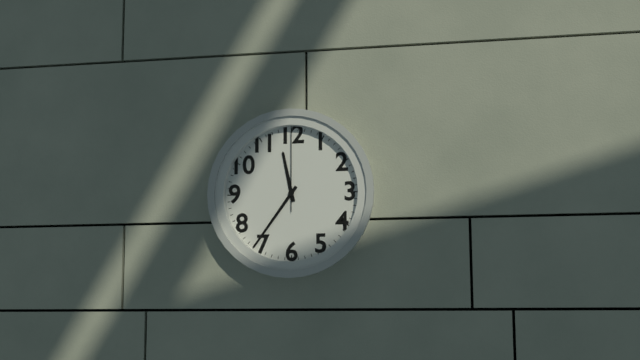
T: 11 h 36 min 00 s
